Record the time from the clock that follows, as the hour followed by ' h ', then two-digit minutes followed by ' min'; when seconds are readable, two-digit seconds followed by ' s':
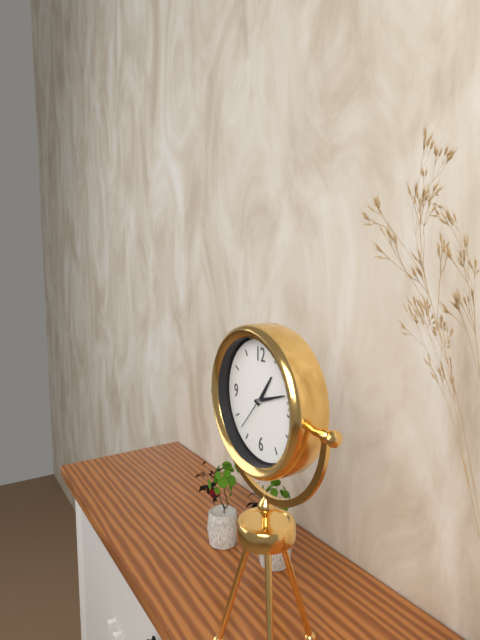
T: 1 h 12 min
